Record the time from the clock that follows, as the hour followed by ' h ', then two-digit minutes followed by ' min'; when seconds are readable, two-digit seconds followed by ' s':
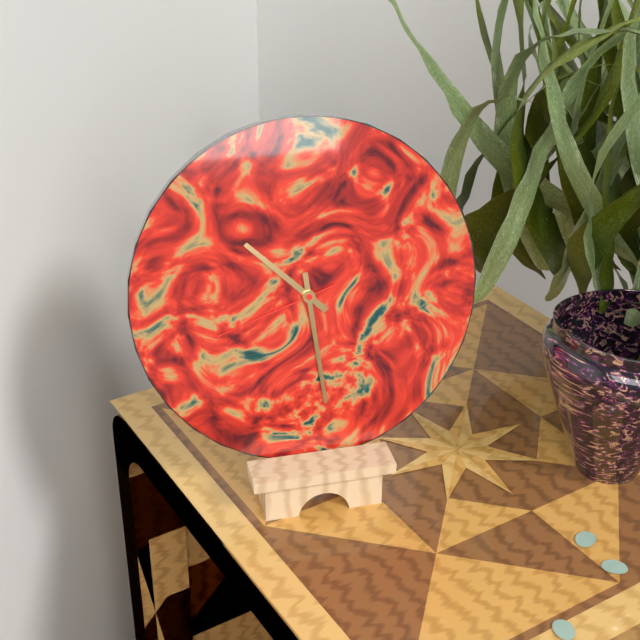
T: 10 h 29 min 42 s
